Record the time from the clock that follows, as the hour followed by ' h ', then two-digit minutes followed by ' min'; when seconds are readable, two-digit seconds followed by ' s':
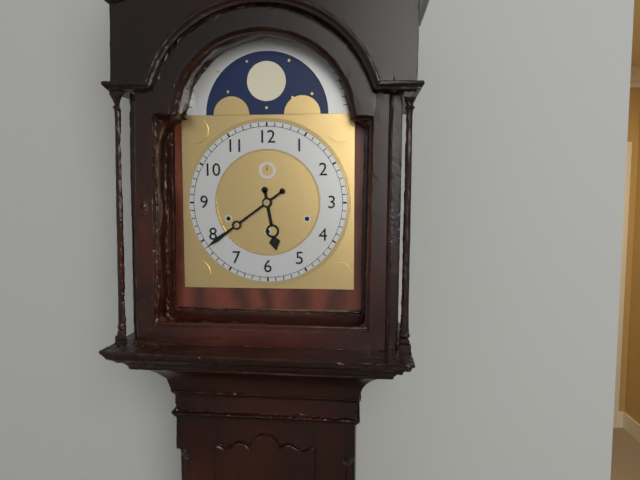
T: 5 h 39 min
